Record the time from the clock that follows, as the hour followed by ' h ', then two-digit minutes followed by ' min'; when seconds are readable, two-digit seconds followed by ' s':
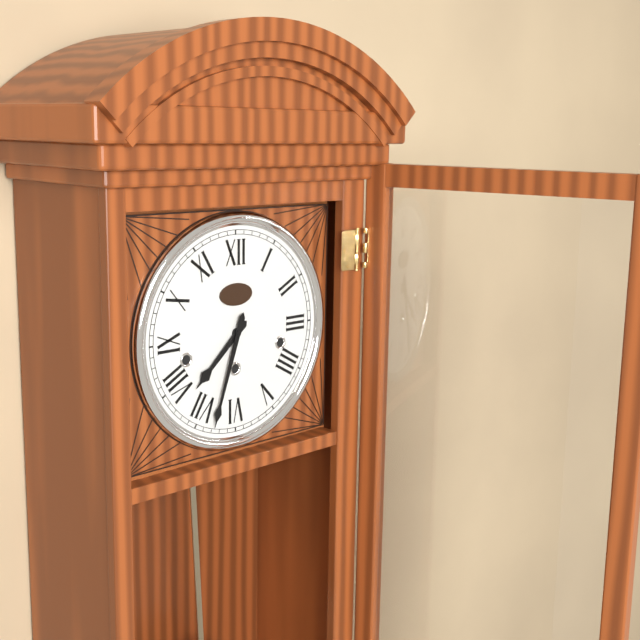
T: 7 h 33 min
